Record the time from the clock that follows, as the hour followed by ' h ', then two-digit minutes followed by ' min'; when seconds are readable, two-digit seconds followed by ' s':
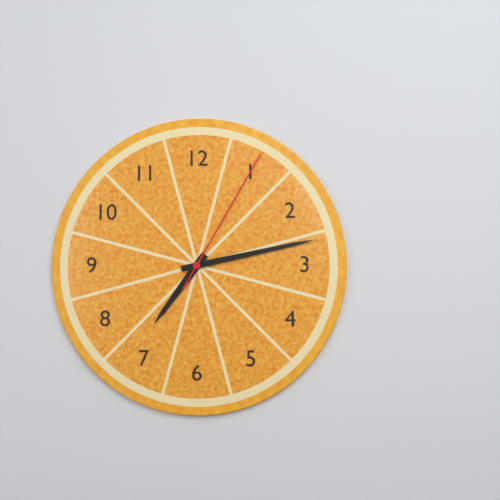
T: 7 h 13 min 05 s
